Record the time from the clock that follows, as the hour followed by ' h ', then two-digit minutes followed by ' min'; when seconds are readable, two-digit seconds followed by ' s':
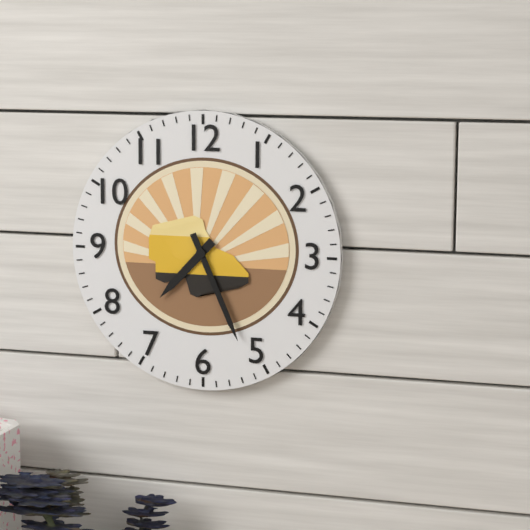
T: 7 h 26 min
